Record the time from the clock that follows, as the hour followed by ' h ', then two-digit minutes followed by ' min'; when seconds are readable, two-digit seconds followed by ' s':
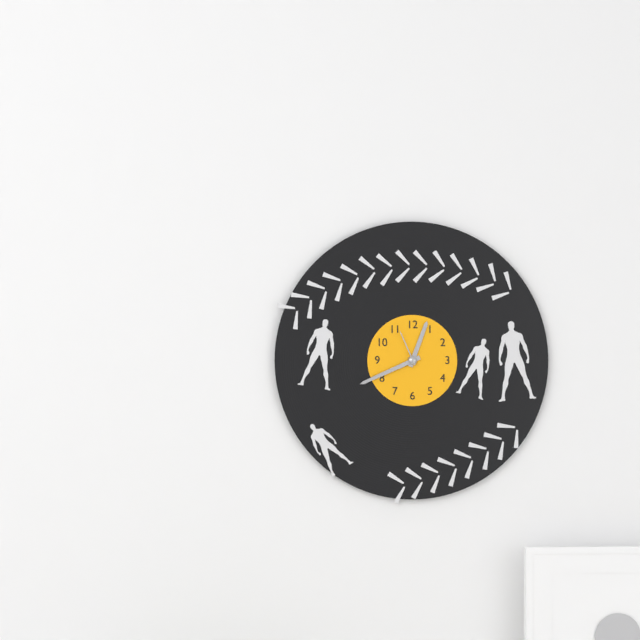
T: 12 h 41 min
